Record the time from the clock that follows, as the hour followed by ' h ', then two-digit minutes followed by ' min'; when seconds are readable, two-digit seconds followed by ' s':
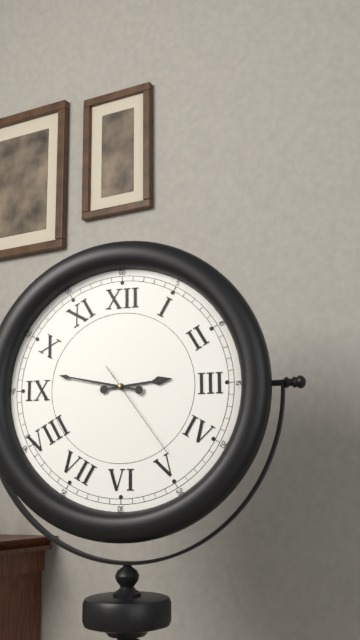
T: 2 h 47 min 24 s
